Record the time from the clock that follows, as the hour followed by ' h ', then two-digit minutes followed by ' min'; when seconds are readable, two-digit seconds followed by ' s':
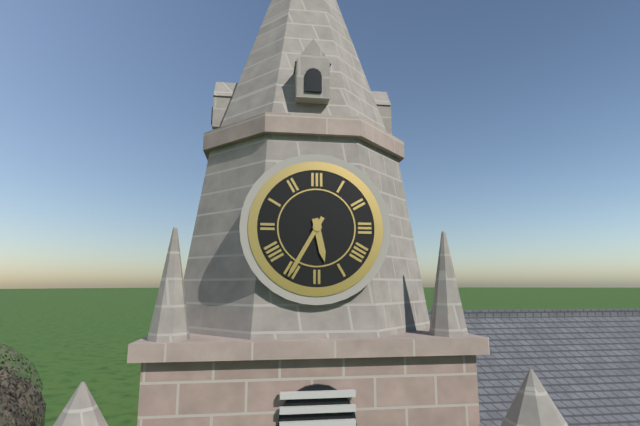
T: 5 h 35 min
